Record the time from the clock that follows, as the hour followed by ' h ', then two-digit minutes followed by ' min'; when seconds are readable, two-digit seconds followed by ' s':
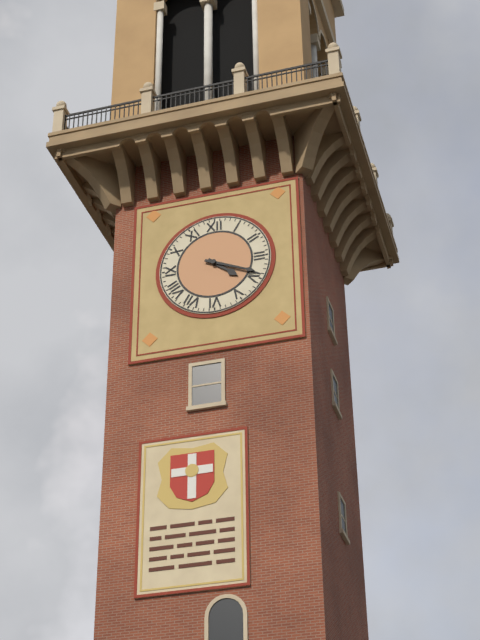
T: 4 h 19 min
